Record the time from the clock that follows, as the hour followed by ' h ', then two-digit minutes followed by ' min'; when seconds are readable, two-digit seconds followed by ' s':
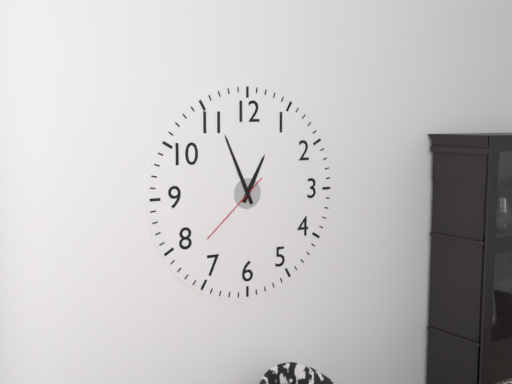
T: 12 h 56 min 38 s
